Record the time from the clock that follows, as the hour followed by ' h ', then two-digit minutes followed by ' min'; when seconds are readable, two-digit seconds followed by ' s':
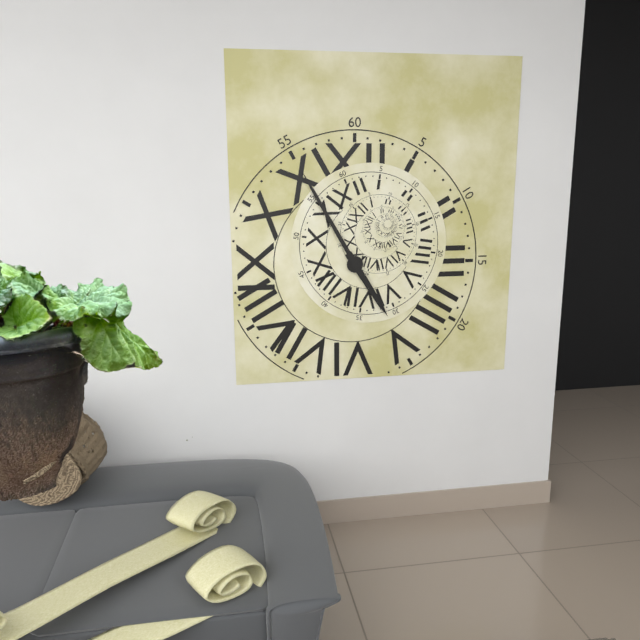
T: 4 h 55 min
